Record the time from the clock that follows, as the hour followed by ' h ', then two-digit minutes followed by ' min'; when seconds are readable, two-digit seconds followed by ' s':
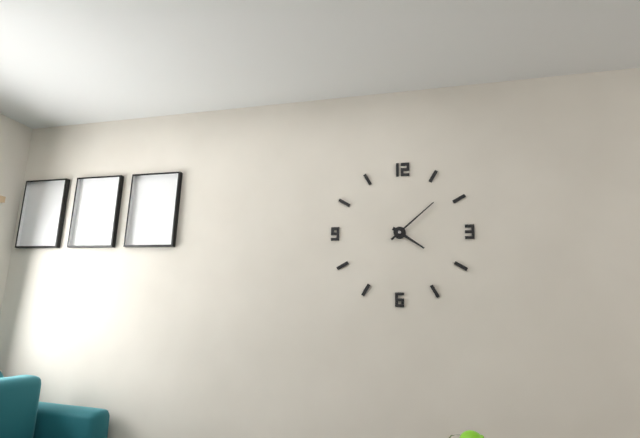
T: 4 h 08 min
